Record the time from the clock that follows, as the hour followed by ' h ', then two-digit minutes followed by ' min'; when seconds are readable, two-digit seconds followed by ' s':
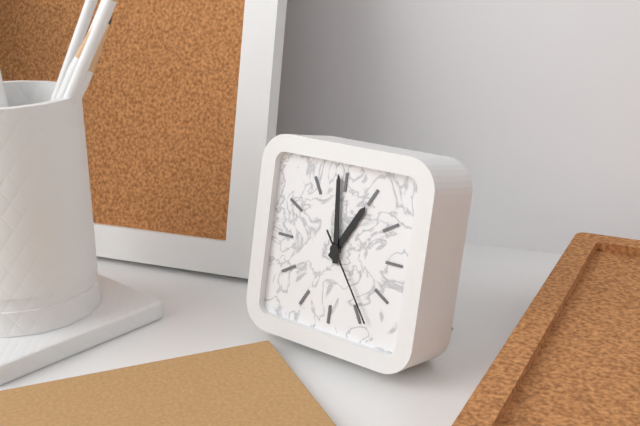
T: 12 h 59 min 24 s
